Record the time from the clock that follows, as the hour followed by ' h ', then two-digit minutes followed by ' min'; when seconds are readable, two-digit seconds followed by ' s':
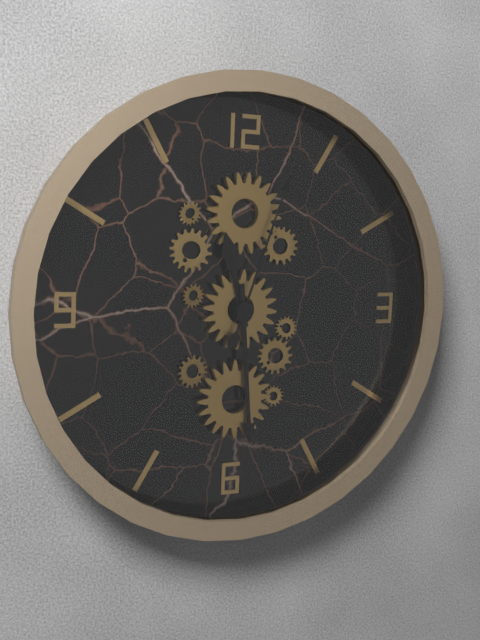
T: 11 h 29 min 03 s
